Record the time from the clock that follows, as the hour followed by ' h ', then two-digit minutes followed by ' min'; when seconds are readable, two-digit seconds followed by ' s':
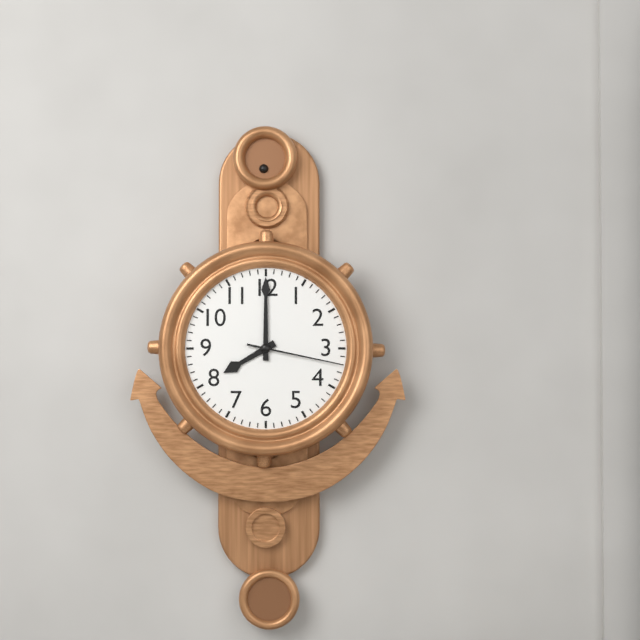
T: 8 h 00 min 17 s
